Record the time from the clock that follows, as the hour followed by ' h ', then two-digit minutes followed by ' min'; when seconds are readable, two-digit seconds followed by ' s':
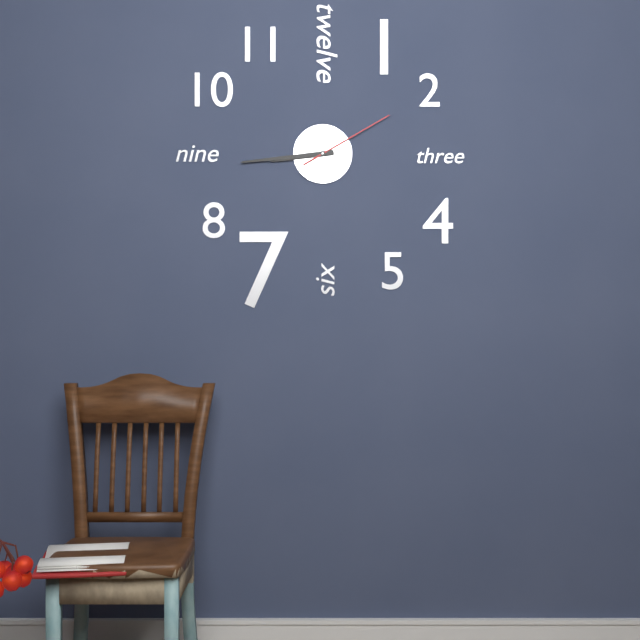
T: 8 h 44 min 10 s
